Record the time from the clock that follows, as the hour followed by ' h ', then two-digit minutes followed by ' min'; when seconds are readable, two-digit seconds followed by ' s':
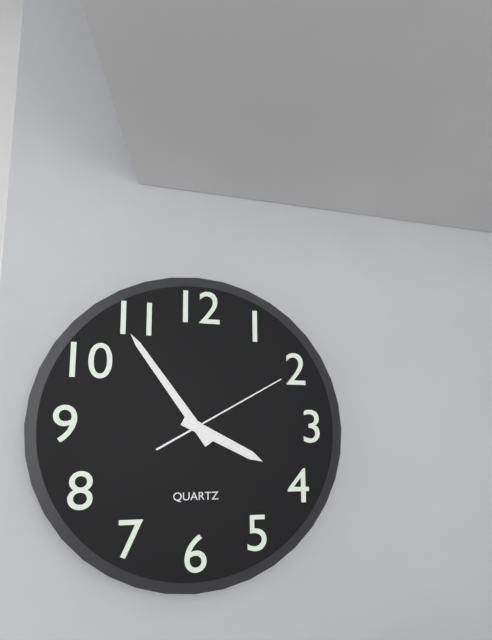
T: 3 h 54 min 10 s
